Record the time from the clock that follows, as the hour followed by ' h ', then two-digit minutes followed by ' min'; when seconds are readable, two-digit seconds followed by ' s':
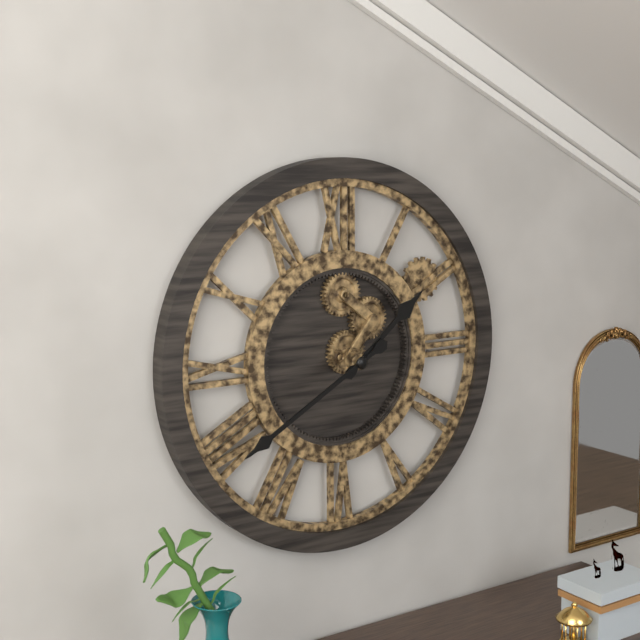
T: 1 h 40 min
